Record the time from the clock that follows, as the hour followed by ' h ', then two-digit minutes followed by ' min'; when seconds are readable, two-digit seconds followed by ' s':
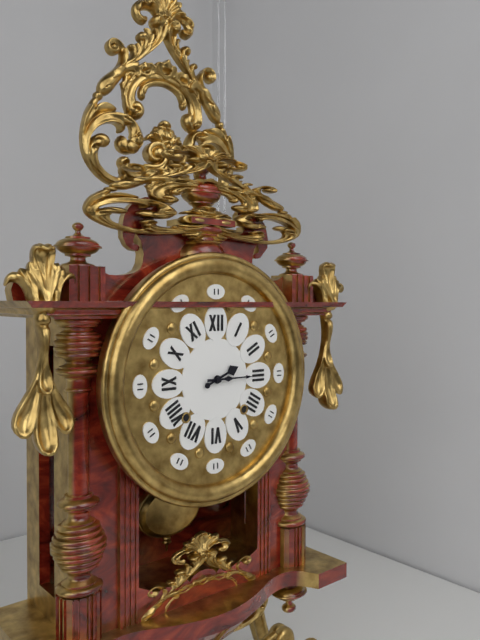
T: 2 h 15 min
